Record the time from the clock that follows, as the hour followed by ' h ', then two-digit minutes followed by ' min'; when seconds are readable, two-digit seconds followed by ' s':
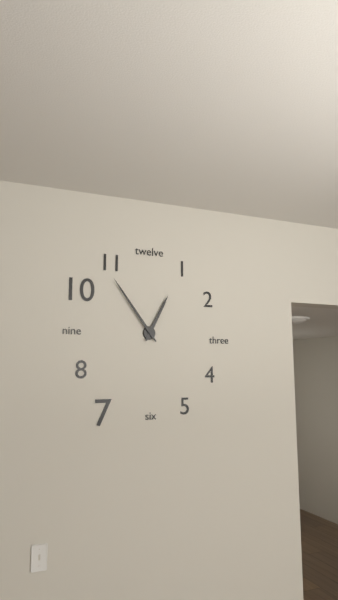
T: 12 h 54 min
